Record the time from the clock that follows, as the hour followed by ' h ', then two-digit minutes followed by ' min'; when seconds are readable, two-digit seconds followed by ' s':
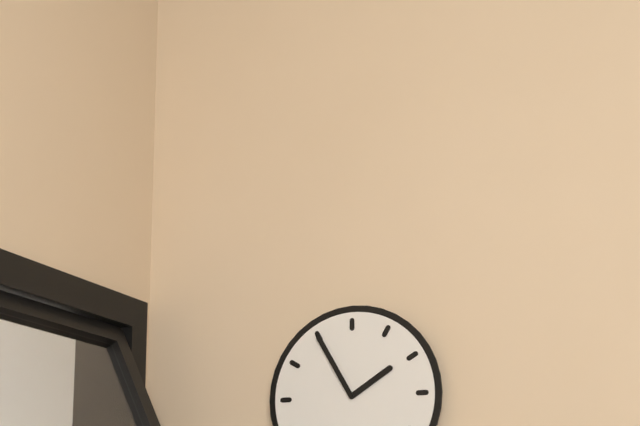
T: 1 h 55 min
